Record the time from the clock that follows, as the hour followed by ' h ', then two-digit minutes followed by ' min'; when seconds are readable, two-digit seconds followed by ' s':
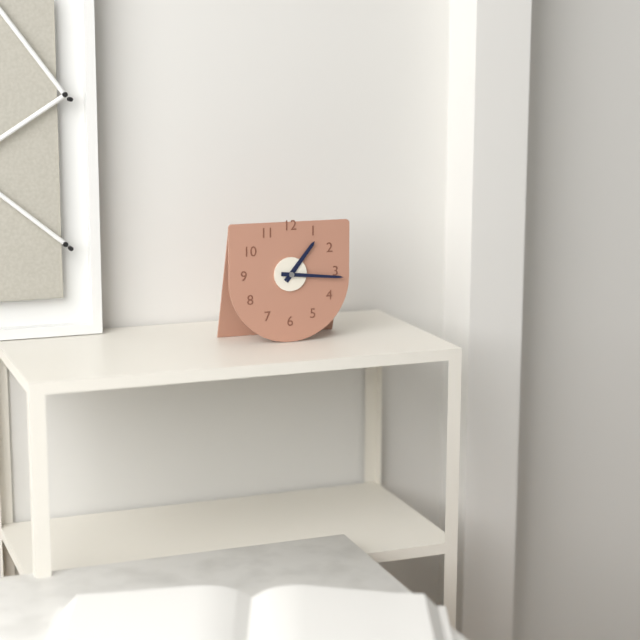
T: 1 h 16 min
